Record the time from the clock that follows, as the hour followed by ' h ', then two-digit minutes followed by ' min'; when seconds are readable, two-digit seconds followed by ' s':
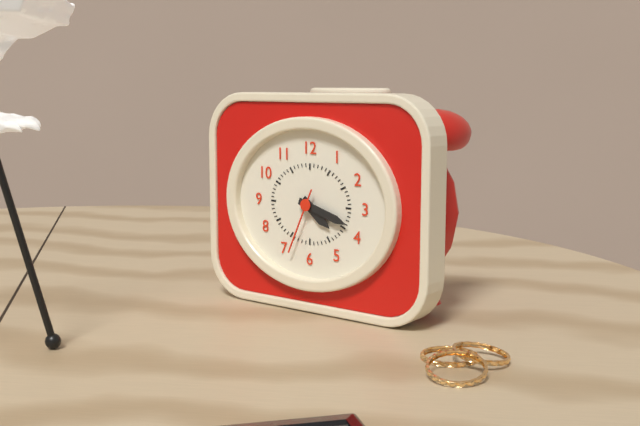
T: 4 h 18 min 34 s
